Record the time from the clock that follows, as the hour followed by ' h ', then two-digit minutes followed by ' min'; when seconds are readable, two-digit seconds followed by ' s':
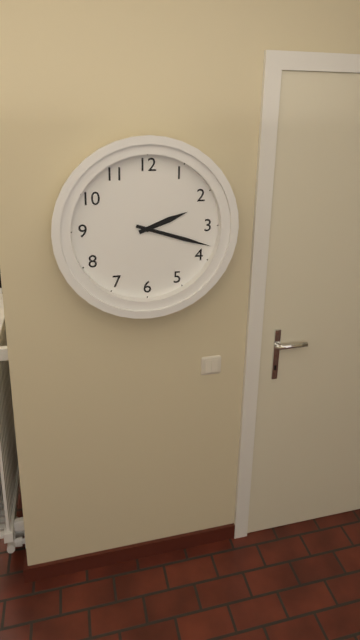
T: 2 h 18 min
